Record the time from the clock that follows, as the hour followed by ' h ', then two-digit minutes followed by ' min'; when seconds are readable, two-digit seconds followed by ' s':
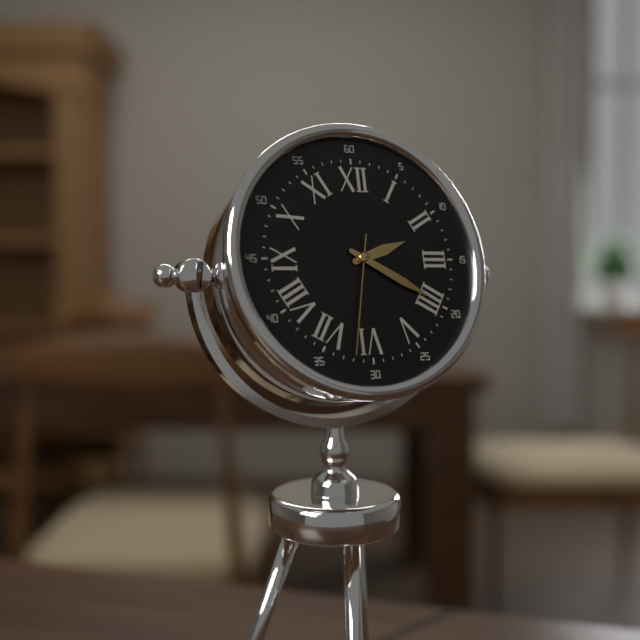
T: 2 h 20 min 32 s
